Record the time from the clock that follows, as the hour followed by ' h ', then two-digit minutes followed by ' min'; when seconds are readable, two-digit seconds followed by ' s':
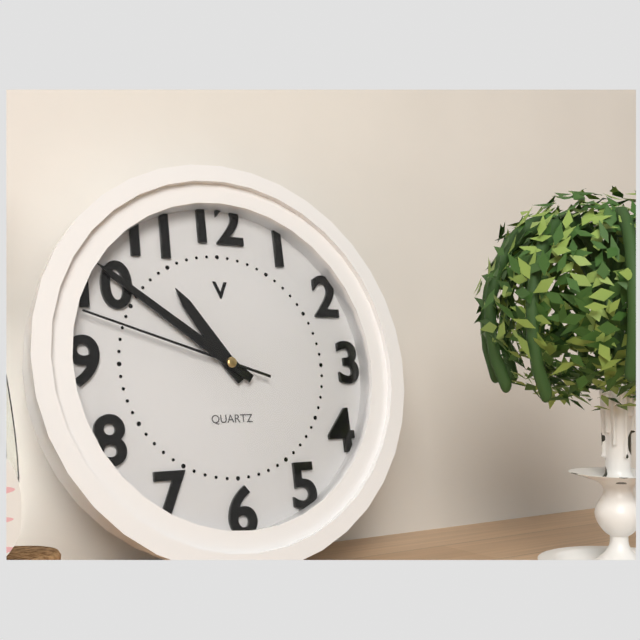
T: 10 h 51 min 48 s
